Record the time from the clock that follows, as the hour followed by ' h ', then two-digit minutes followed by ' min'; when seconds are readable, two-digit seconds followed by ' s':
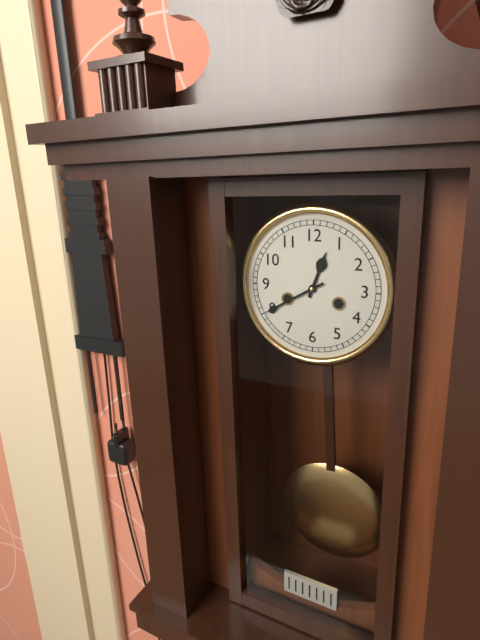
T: 12 h 40 min
